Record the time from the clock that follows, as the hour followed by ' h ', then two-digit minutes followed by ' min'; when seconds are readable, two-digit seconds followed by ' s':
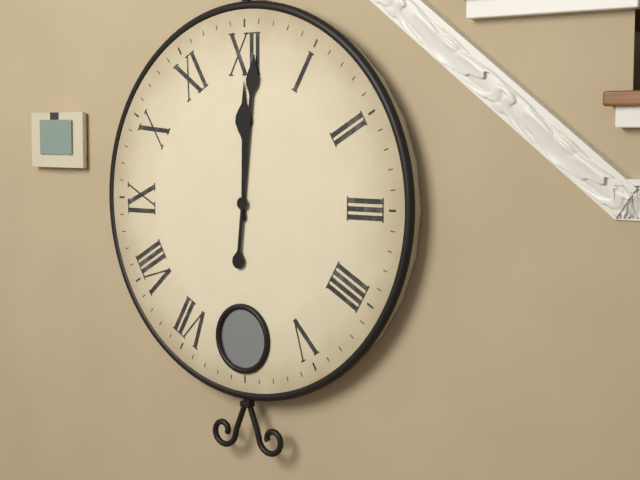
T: 12 h 01 min
